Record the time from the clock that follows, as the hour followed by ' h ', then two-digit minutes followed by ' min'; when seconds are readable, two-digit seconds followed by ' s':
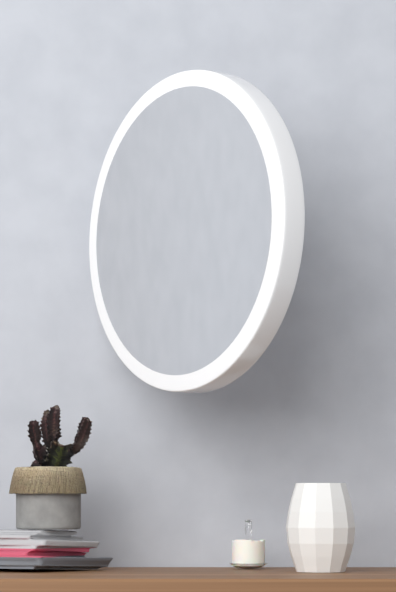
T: 4 h 30 min
